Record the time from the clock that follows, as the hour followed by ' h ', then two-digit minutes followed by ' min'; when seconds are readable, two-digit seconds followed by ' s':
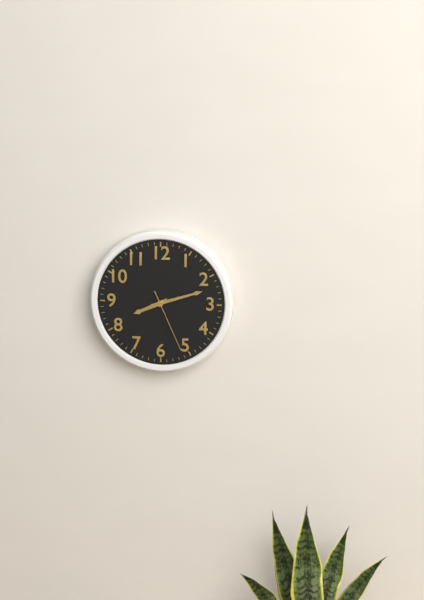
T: 8 h 12 min 26 s
